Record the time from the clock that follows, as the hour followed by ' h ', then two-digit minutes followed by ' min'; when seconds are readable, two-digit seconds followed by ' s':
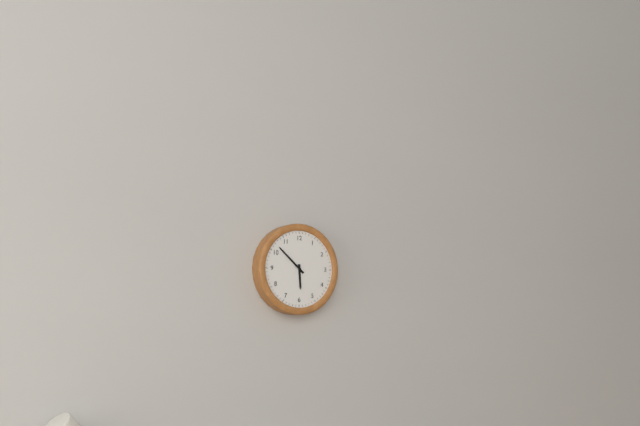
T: 5 h 52 min
